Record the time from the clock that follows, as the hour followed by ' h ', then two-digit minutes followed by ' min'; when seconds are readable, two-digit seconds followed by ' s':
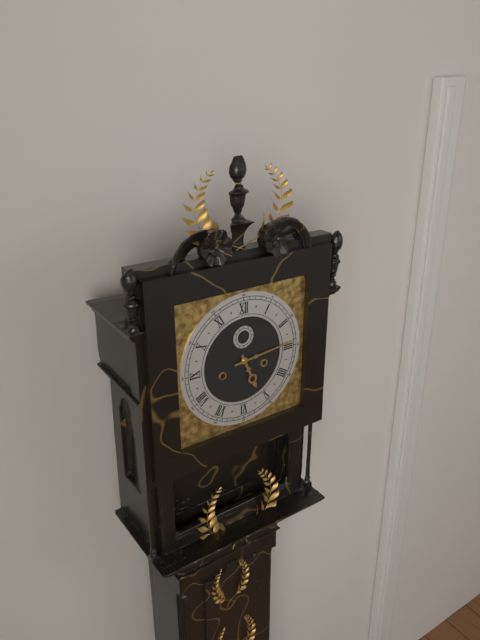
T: 5 h 14 min
